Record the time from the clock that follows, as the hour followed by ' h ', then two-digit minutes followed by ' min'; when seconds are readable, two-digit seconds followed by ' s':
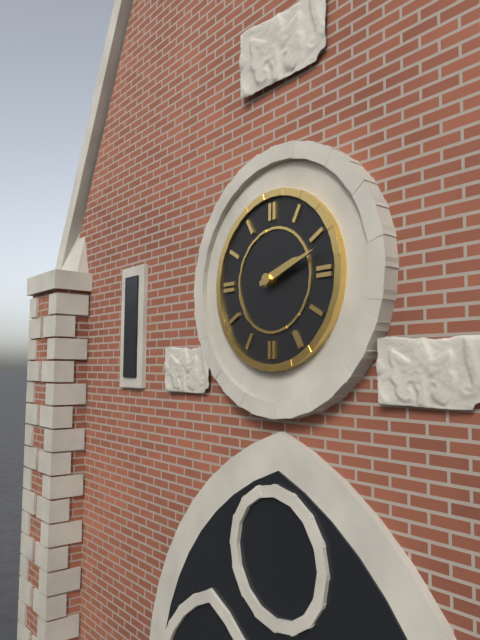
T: 2 h 12 min
